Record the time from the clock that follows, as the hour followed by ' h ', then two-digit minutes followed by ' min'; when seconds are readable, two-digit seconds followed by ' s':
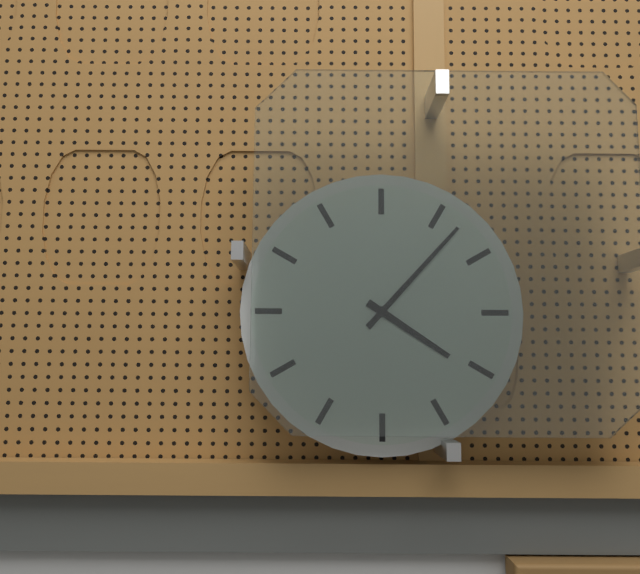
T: 4 h 07 min
